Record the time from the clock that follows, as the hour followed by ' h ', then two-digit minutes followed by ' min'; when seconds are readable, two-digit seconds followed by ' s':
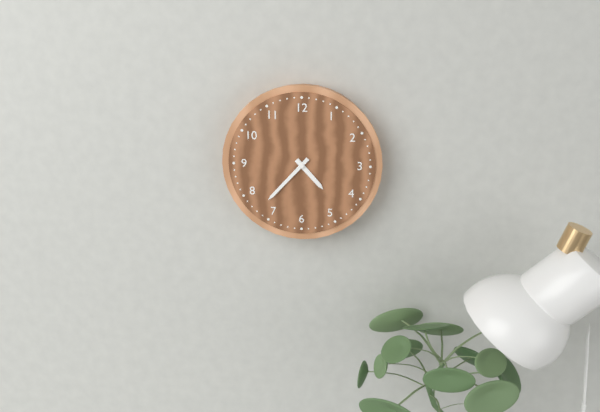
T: 4 h 37 min
